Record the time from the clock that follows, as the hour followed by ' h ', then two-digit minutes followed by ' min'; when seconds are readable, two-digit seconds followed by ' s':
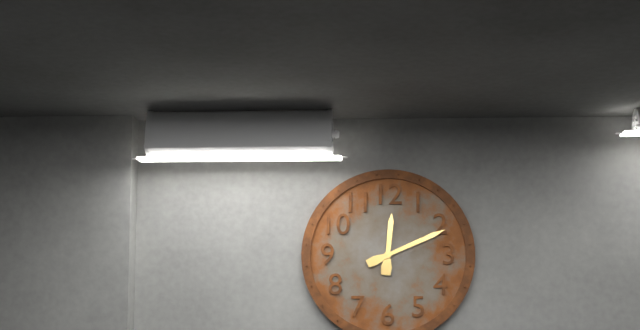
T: 12 h 11 min
